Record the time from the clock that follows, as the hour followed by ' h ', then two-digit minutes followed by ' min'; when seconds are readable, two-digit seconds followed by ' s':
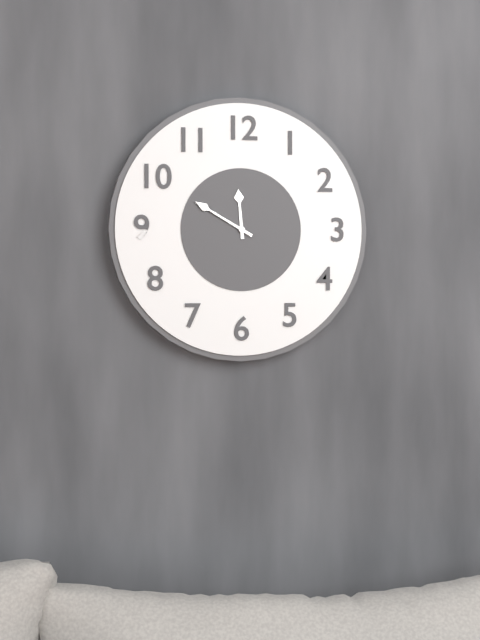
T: 11 h 50 min
